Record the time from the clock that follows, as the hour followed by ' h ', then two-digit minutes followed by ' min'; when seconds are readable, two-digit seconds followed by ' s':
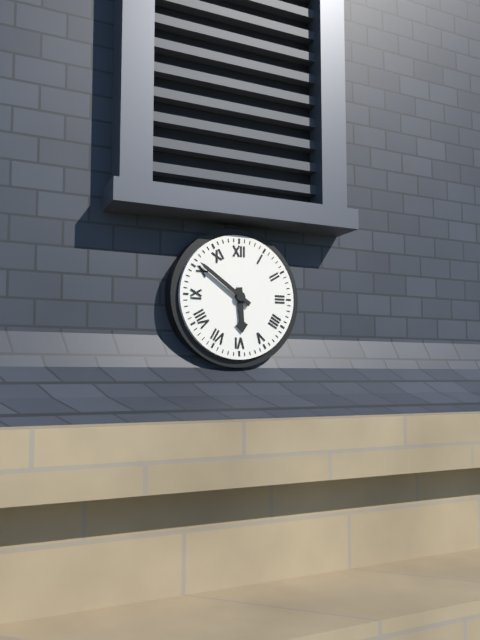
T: 5 h 51 min
